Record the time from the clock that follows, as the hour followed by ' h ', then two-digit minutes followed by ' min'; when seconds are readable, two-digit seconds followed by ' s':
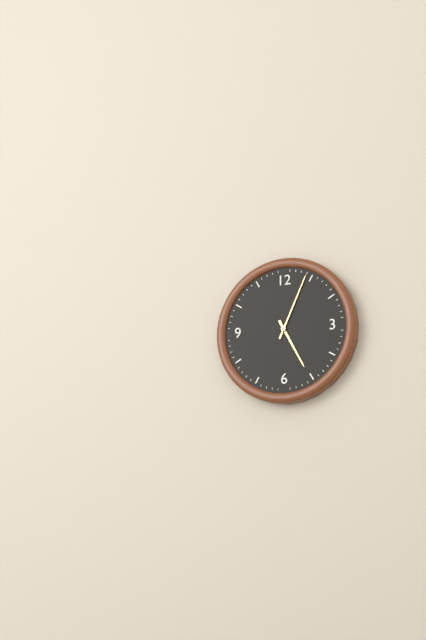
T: 5 h 04 min
